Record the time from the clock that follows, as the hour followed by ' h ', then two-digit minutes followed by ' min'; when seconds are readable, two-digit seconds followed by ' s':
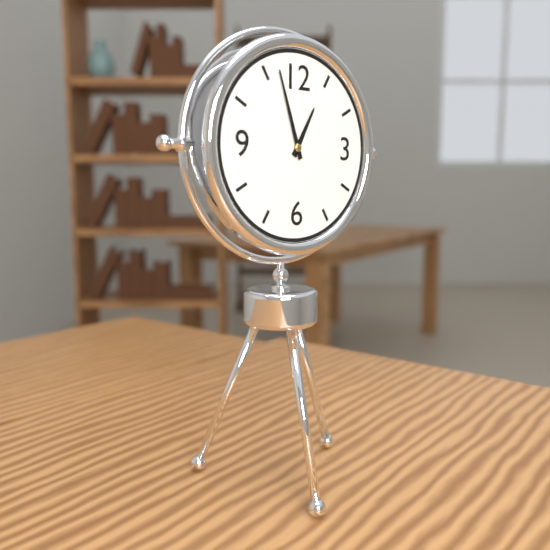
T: 12 h 57 min
